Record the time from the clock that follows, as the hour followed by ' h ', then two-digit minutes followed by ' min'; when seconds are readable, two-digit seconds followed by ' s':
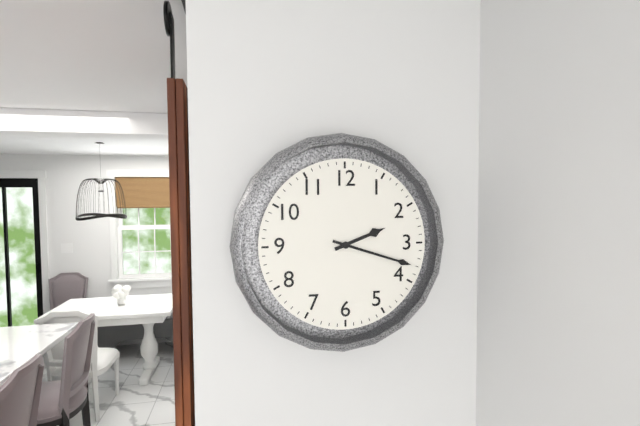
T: 2 h 18 min
